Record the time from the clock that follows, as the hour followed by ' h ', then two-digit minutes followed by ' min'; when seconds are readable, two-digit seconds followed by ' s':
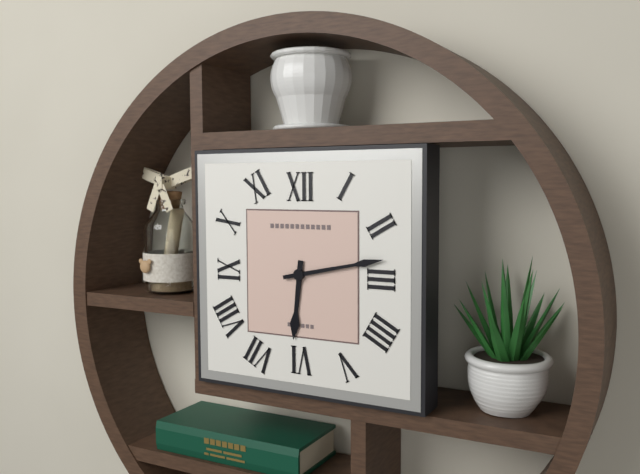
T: 6 h 13 min
